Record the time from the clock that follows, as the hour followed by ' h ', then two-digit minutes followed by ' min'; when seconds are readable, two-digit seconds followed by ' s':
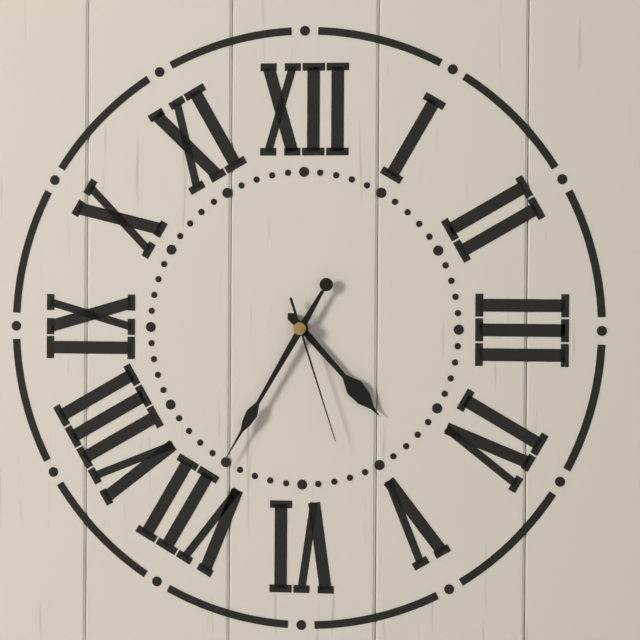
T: 4 h 35 min 27 s
